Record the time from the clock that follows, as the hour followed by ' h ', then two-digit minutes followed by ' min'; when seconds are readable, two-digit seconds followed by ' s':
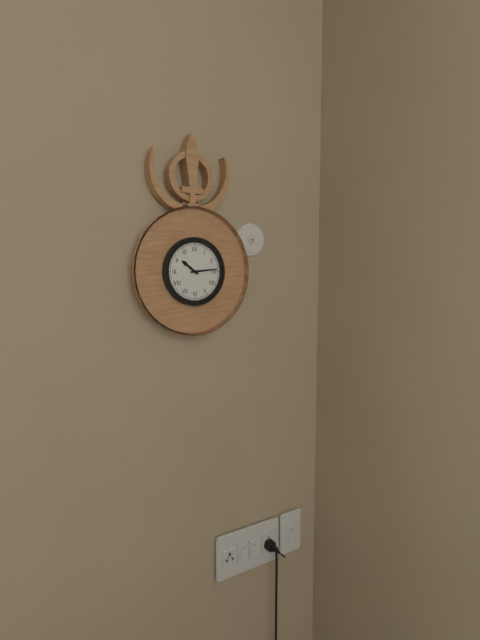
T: 10 h 14 min
